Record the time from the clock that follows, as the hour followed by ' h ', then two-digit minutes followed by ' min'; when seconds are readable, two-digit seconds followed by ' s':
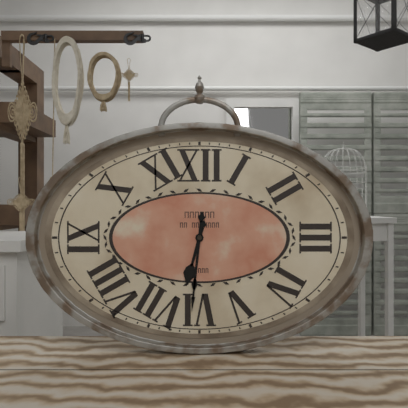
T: 6 h 31 min
